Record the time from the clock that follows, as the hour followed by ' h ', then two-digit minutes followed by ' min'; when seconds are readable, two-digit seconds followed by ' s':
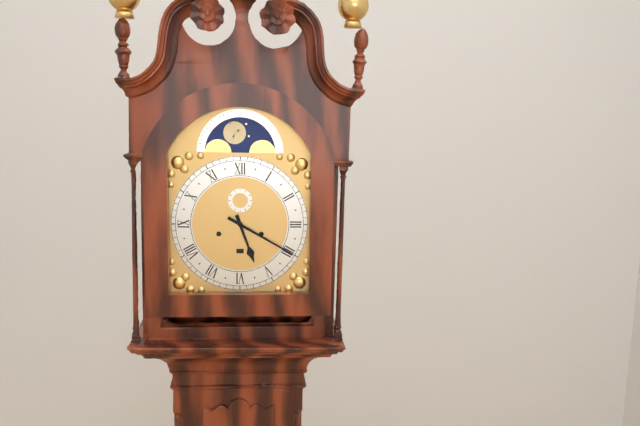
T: 5 h 20 min
